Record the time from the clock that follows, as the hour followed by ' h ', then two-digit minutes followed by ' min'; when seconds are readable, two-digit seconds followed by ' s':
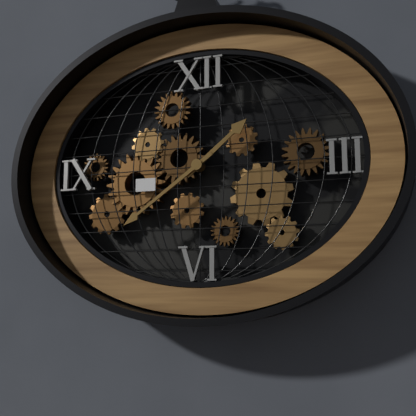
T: 1 h 39 min
